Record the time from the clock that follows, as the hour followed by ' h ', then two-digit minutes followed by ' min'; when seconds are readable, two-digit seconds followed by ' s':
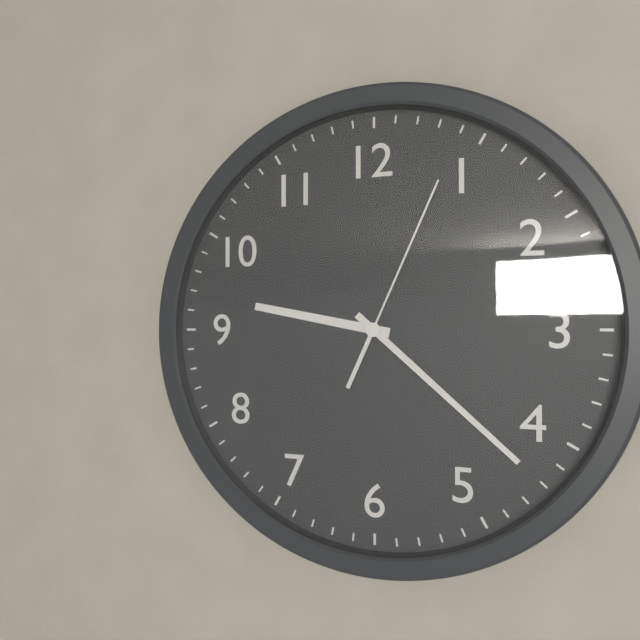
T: 9 h 22 min 04 s
